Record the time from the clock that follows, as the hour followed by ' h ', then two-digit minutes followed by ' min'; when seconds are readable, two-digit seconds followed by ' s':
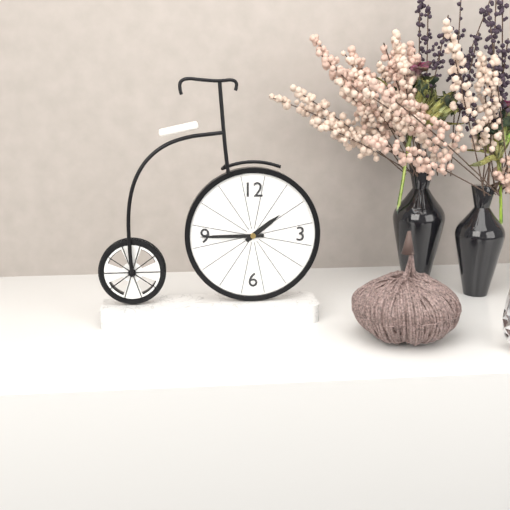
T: 1 h 45 min
